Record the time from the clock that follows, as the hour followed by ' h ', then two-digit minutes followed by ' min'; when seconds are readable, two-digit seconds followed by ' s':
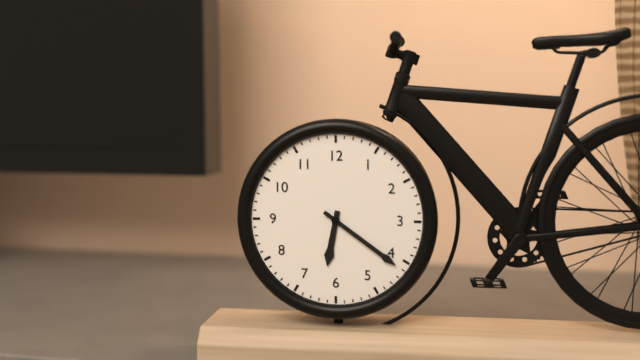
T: 6 h 21 min
